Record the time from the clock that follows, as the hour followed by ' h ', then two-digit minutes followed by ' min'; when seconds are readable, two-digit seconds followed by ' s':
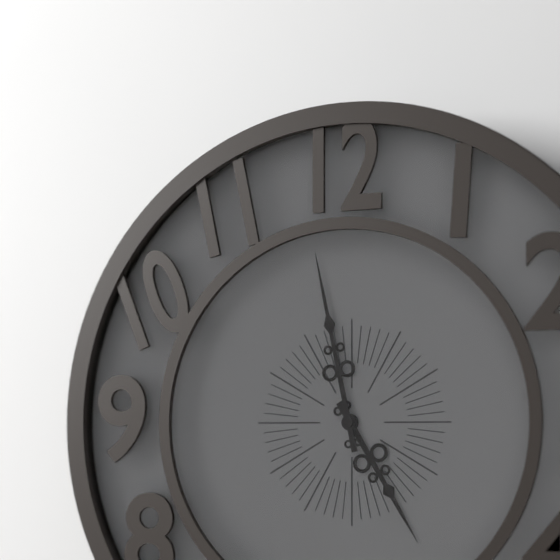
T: 4 h 58 min
